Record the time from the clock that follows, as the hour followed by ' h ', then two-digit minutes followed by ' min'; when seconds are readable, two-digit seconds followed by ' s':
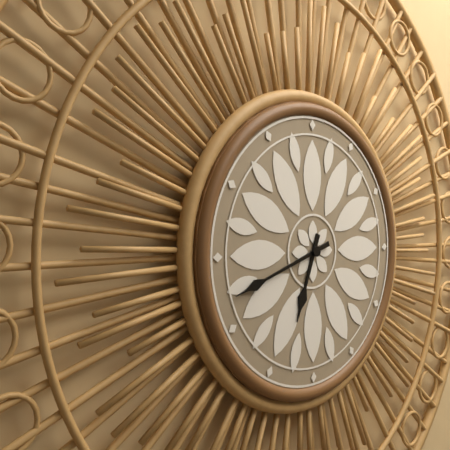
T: 6 h 42 min
